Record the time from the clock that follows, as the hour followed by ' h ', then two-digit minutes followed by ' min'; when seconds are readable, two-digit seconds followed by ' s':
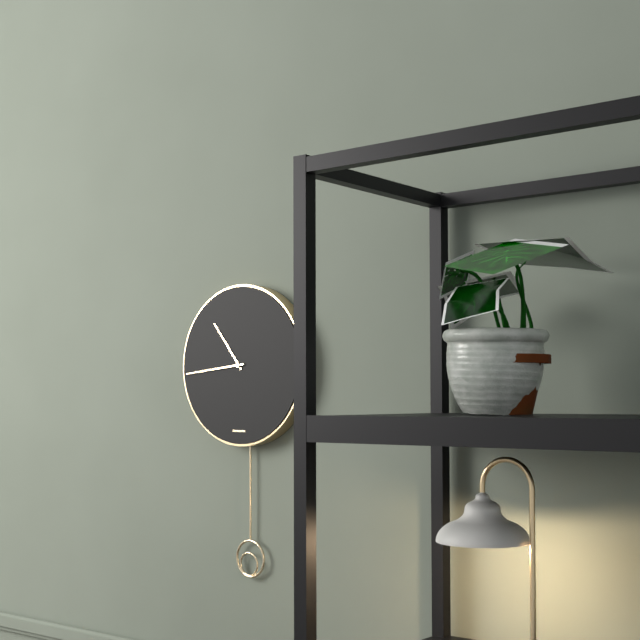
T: 10 h 44 min
